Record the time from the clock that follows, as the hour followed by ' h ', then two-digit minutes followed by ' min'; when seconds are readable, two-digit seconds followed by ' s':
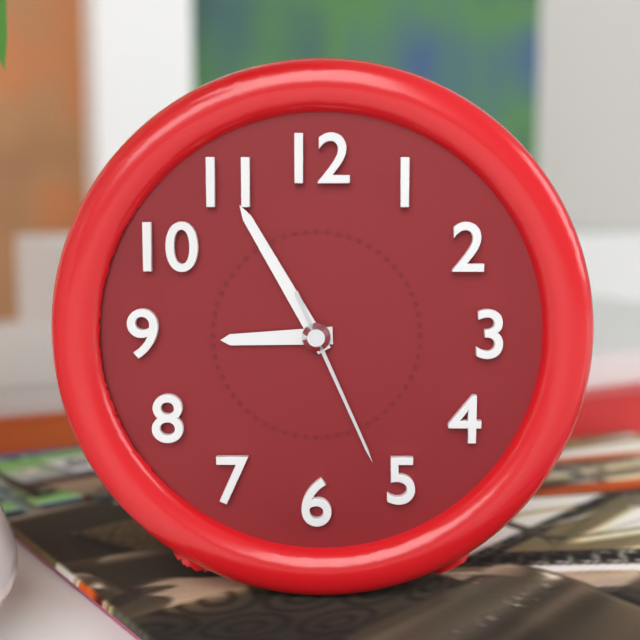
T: 8 h 55 min 26 s
